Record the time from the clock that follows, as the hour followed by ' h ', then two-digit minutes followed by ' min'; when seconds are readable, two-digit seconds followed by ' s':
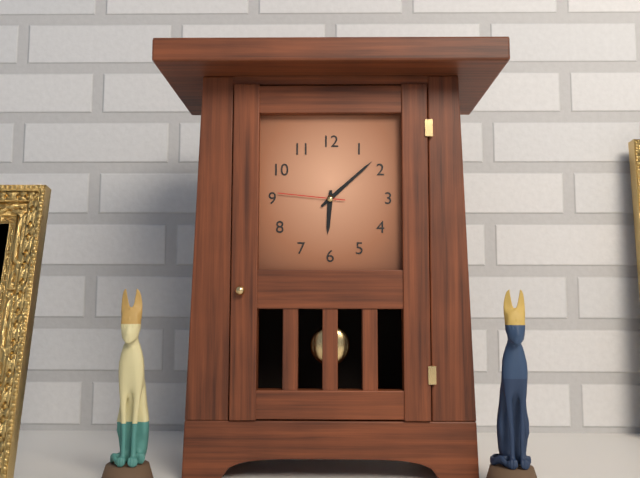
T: 6 h 08 min 46 s
